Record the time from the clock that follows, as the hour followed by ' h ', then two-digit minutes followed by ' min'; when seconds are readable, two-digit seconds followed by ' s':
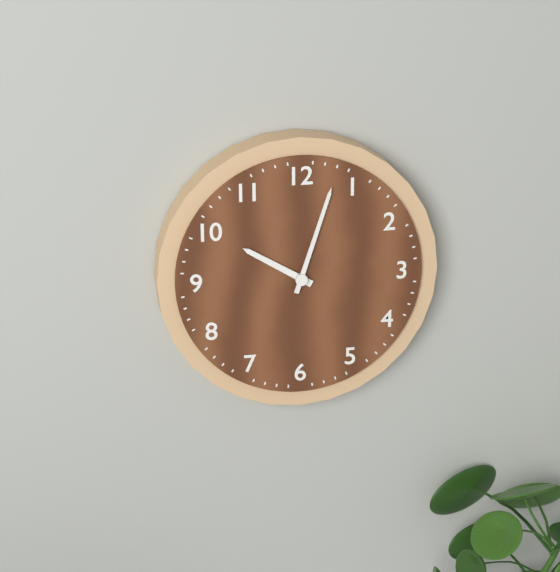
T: 10 h 03 min
